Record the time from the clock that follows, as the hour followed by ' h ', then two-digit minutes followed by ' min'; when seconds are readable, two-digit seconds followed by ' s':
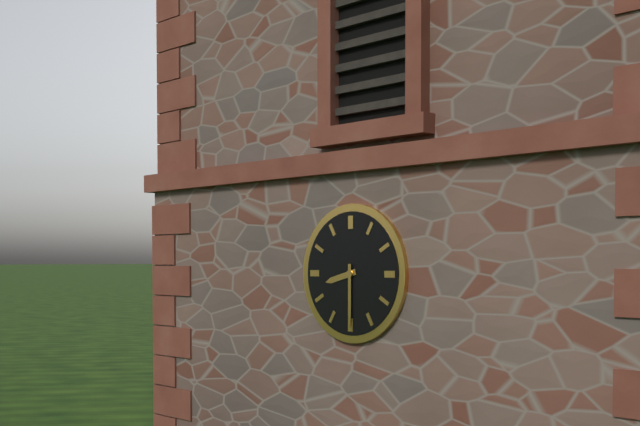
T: 8 h 30 min
